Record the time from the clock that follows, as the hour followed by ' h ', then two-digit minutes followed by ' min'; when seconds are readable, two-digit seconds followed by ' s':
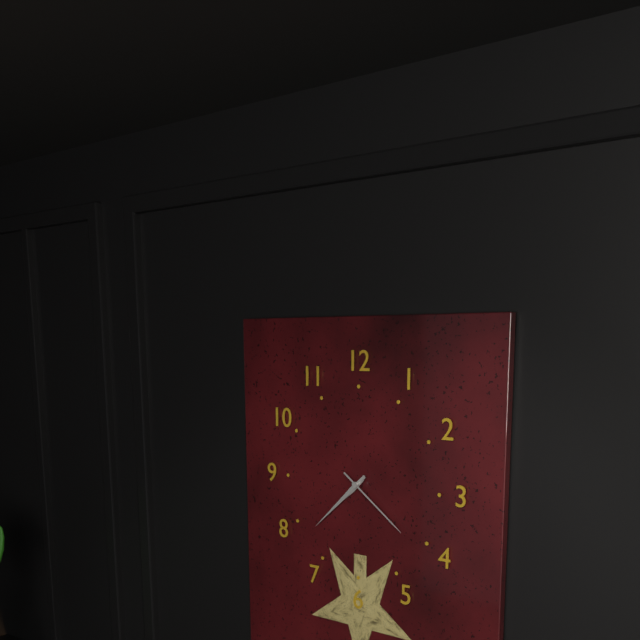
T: 7 h 38 min 21 s
